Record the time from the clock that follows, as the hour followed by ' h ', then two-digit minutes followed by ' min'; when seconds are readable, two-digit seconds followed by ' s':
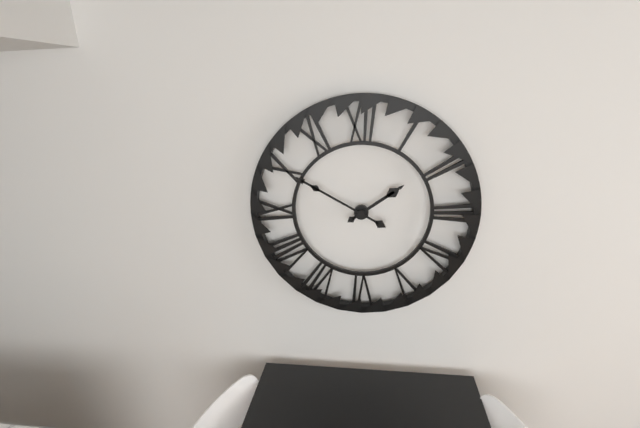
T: 1 h 50 min
